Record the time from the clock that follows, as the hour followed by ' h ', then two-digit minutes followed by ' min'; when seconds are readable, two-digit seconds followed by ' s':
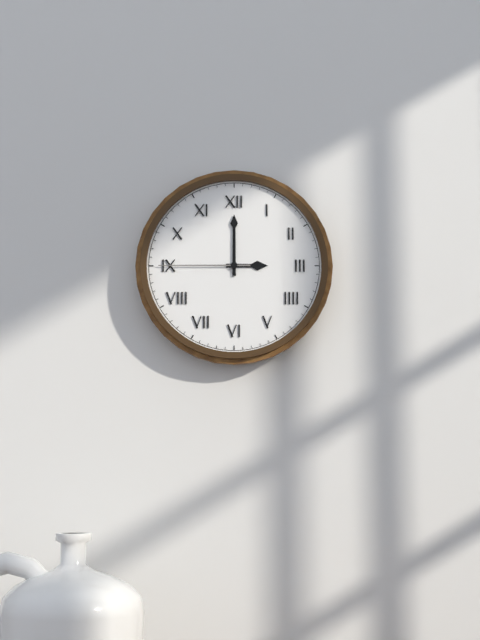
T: 3 h 00 min 45 s
